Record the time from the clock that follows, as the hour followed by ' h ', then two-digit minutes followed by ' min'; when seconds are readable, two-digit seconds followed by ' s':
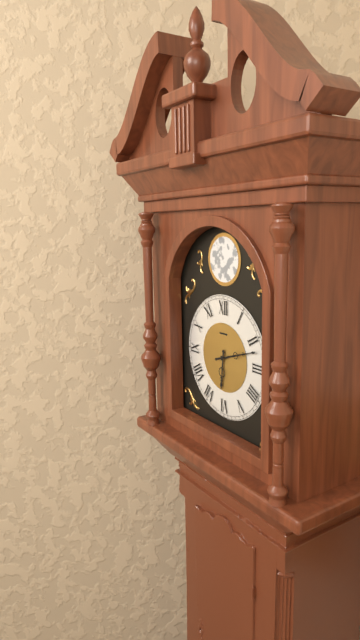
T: 6 h 12 min
